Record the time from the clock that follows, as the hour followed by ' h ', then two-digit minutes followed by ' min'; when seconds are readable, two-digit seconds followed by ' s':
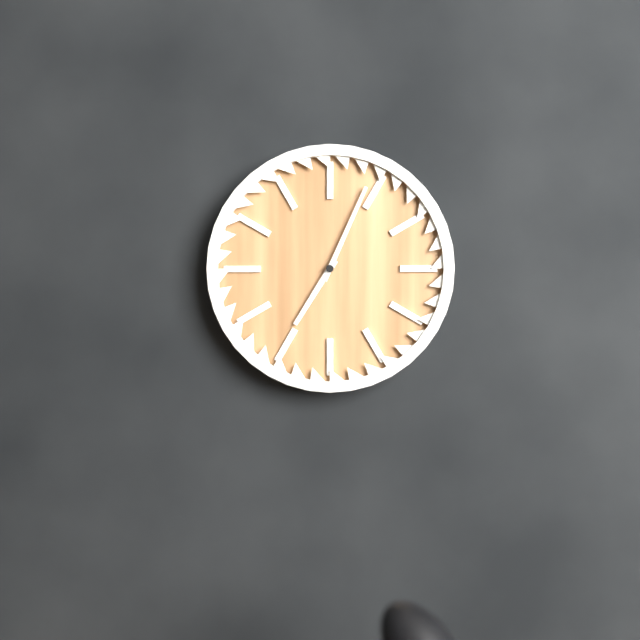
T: 7 h 04 min
